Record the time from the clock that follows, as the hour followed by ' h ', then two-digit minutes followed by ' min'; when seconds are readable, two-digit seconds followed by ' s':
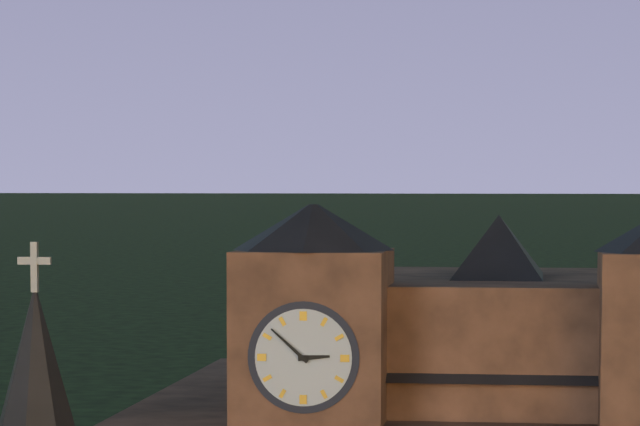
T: 2 h 52 min
